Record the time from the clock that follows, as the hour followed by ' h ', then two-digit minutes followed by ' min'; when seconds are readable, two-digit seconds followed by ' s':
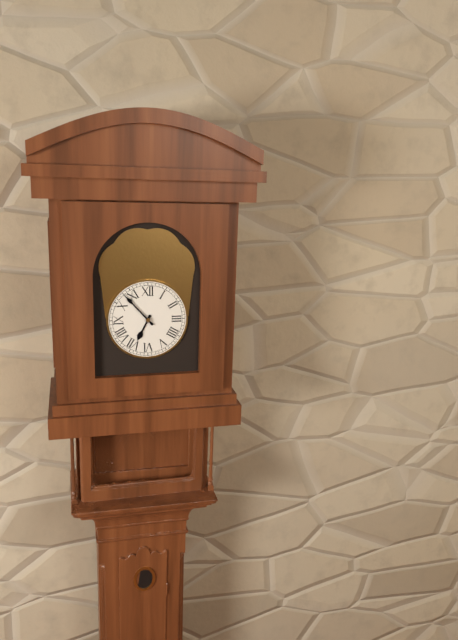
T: 6 h 53 min
